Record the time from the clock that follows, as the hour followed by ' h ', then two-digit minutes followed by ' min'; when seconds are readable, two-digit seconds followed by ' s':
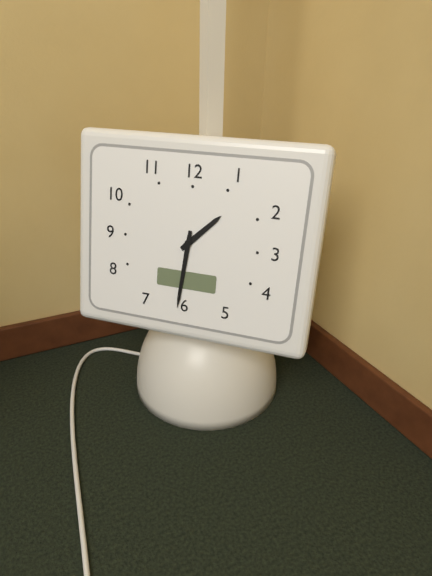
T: 1 h 31 min
